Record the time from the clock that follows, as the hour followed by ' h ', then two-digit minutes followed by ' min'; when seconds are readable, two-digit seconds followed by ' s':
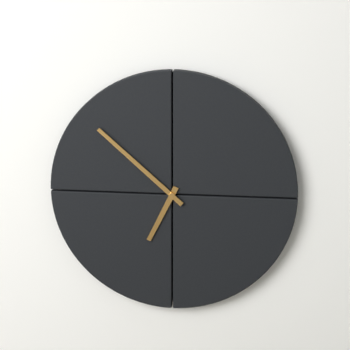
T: 6 h 52 min
